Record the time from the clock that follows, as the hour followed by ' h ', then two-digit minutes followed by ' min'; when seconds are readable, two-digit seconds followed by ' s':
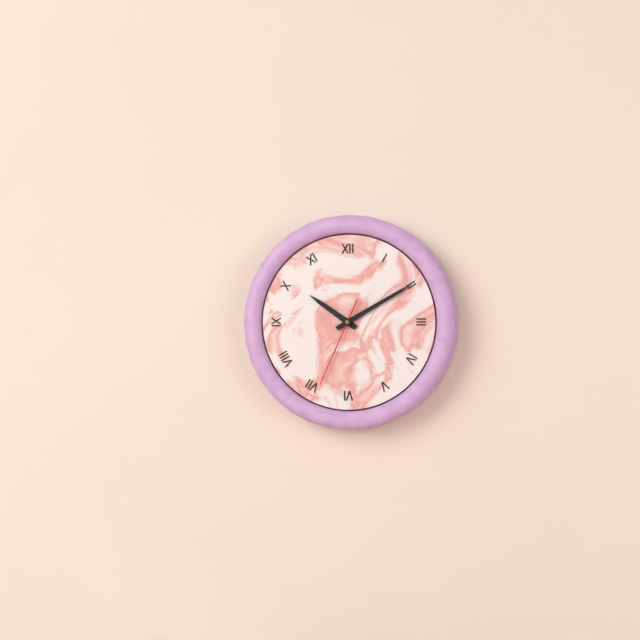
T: 10 h 10 min 34 s
